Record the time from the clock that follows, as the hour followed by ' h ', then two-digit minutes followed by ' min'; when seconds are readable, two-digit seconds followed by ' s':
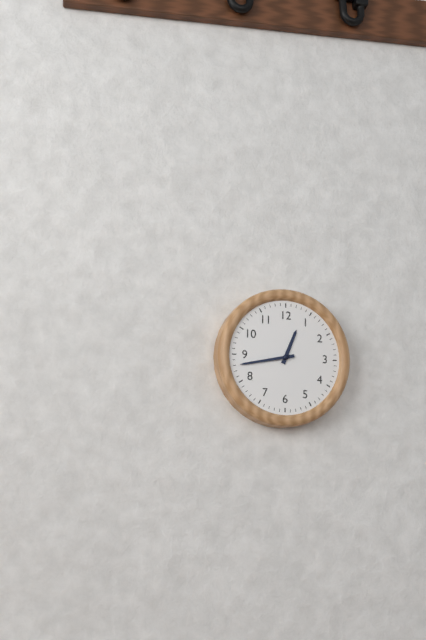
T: 12 h 43 min
